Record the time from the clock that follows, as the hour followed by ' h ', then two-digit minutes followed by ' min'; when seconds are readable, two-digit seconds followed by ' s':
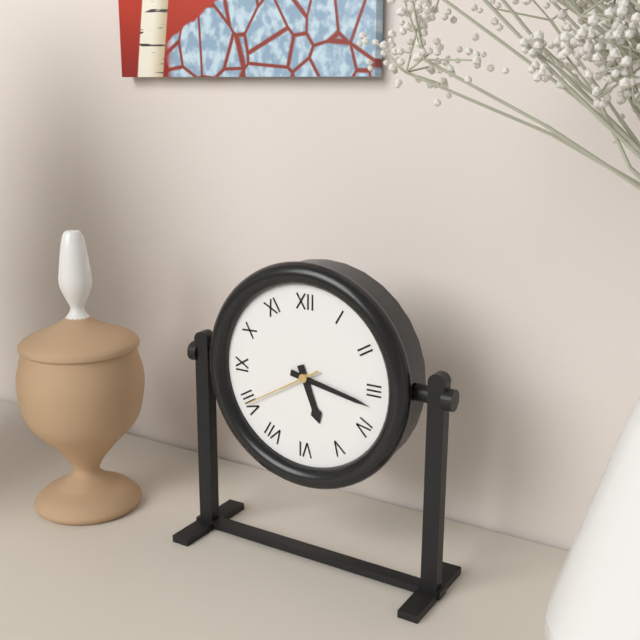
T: 5 h 17 min 40 s
